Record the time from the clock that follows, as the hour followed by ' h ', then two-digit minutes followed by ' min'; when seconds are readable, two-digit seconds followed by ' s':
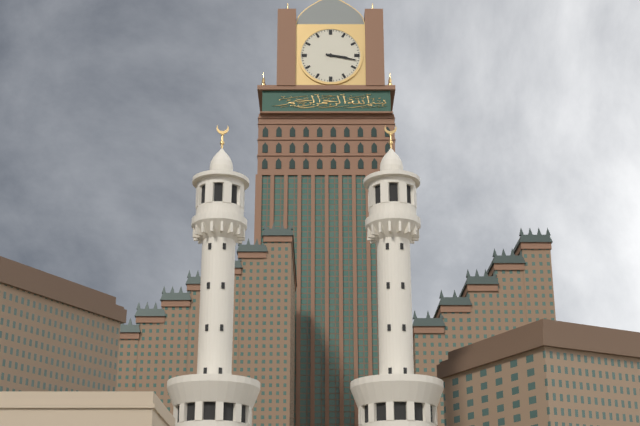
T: 3 h 17 min
